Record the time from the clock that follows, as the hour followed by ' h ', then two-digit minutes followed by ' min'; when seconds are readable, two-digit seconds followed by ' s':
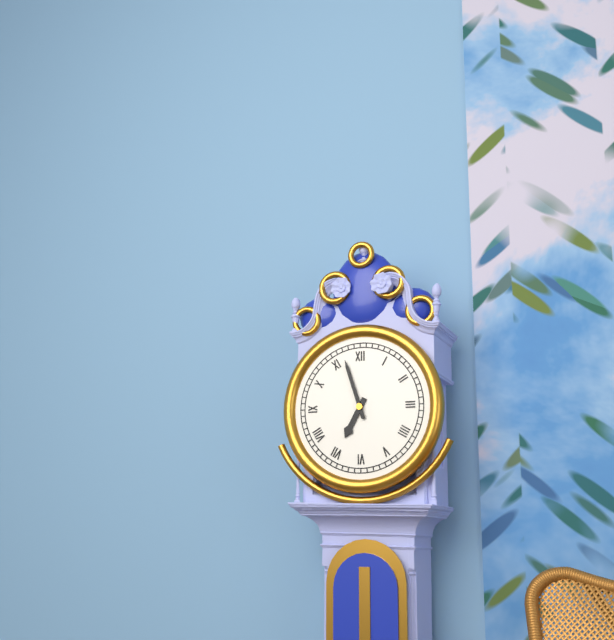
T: 6 h 57 min
